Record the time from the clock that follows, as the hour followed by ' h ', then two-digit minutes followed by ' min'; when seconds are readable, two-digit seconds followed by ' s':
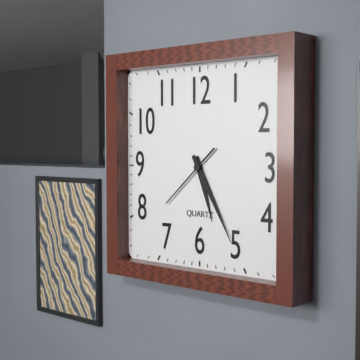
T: 5 h 25 min 38 s
